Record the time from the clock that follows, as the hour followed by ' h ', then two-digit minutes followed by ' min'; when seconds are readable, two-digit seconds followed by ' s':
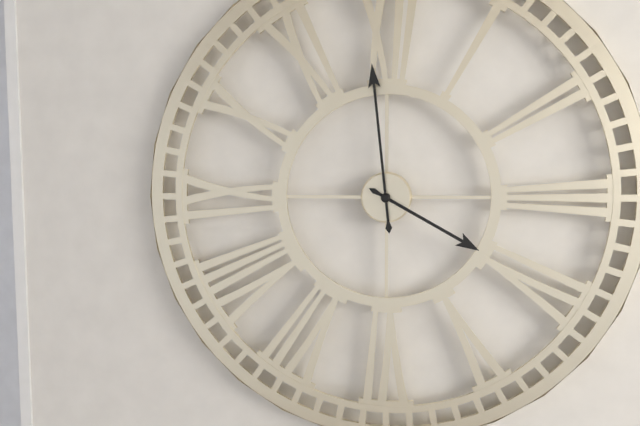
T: 3 h 59 min
